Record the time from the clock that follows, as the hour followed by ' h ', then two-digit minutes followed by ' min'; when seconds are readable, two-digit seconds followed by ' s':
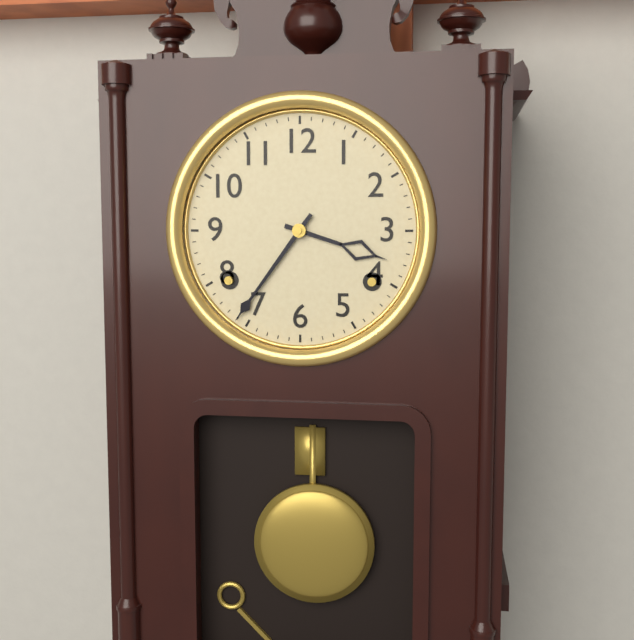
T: 3 h 36 min
